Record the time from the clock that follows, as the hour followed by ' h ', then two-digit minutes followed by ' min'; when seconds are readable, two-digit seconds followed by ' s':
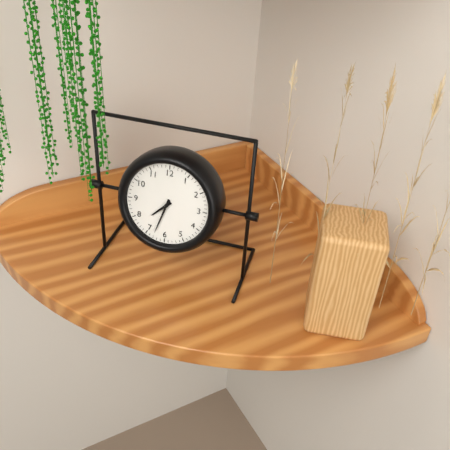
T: 7 h 33 min
